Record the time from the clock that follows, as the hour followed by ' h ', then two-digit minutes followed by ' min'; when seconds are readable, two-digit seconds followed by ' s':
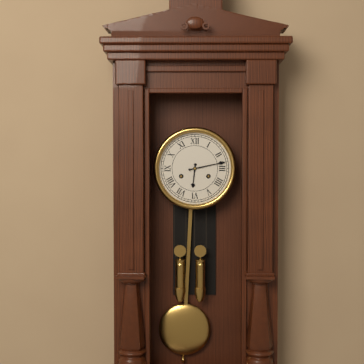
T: 6 h 13 min
